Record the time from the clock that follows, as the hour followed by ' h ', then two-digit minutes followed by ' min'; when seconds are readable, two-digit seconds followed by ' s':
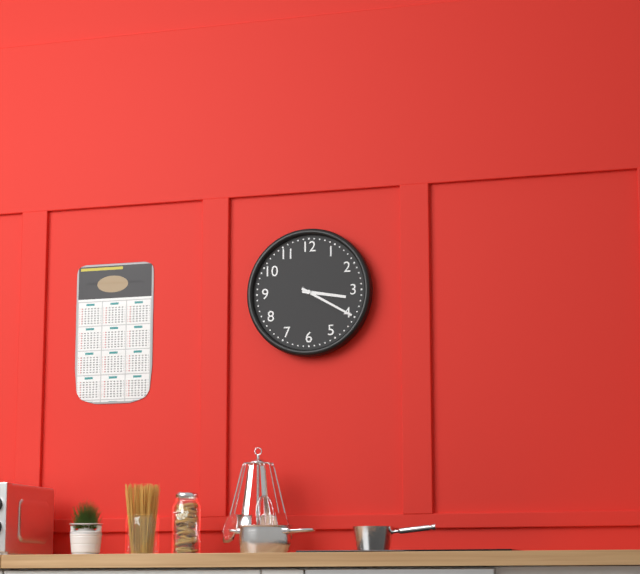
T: 3 h 20 min
